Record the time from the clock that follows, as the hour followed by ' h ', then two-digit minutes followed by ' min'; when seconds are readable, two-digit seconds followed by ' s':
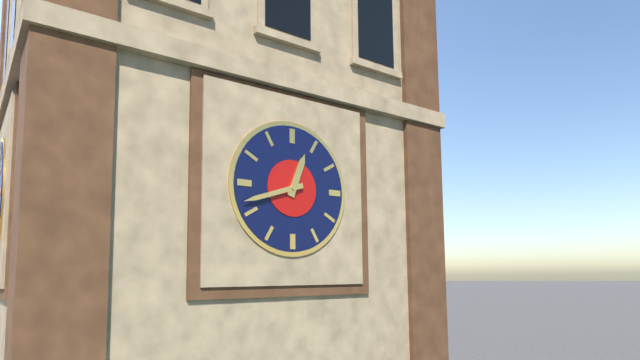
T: 12 h 42 min
